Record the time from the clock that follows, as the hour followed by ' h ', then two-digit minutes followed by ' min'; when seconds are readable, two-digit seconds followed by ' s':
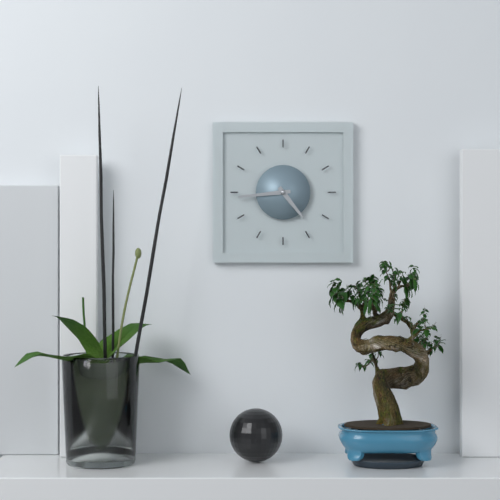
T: 4 h 44 min
